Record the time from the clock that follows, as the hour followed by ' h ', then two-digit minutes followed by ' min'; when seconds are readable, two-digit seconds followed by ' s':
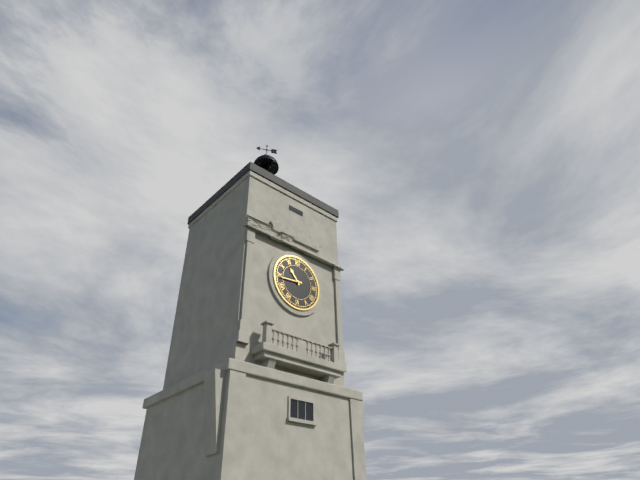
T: 10 h 44 min
